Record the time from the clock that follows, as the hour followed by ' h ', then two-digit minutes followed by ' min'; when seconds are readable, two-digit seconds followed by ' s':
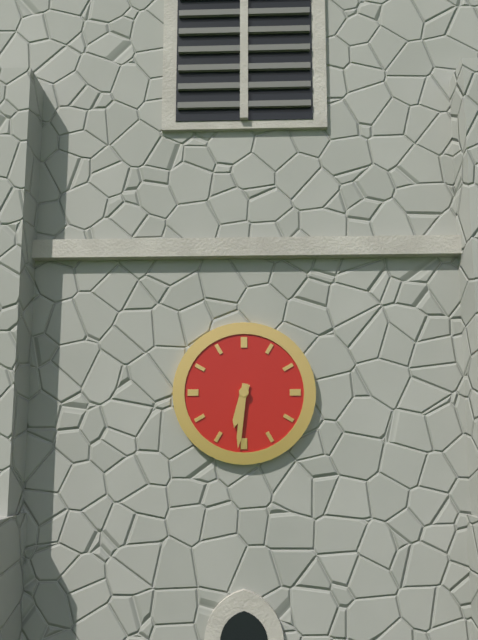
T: 6 h 31 min
